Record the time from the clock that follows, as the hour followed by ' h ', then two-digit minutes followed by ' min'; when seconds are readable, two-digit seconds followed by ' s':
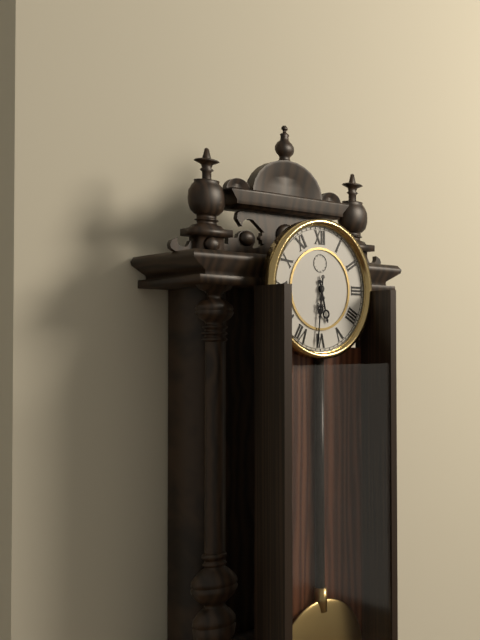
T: 5 h 31 min
